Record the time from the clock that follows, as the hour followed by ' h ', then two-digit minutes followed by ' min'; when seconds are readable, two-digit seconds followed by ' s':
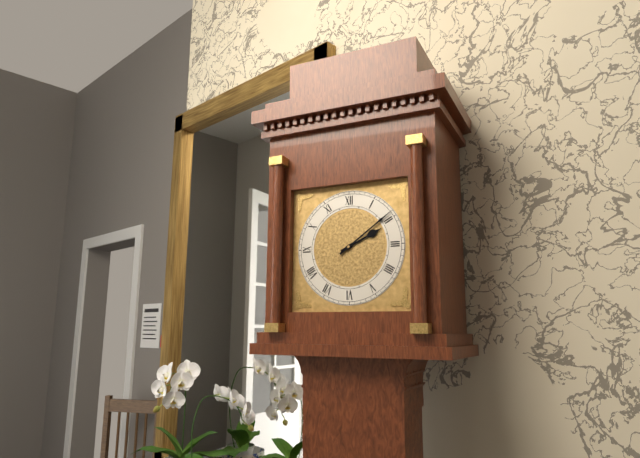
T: 2 h 09 min
